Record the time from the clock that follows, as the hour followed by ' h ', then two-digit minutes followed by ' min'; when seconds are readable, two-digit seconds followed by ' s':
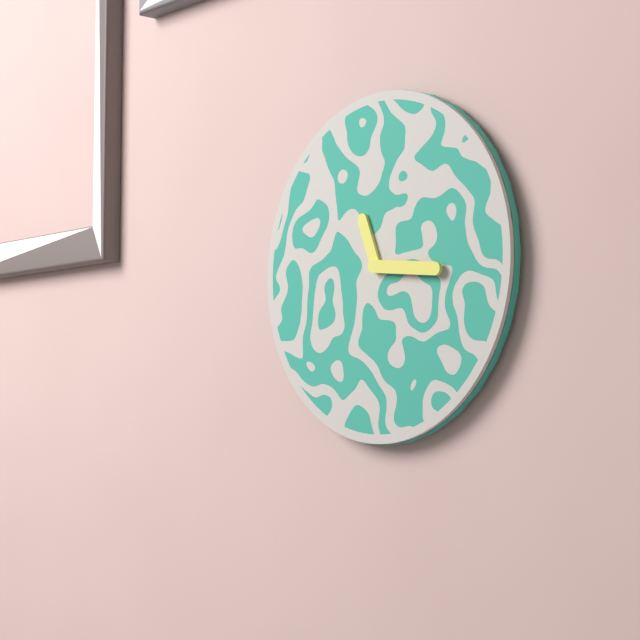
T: 11 h 16 min
